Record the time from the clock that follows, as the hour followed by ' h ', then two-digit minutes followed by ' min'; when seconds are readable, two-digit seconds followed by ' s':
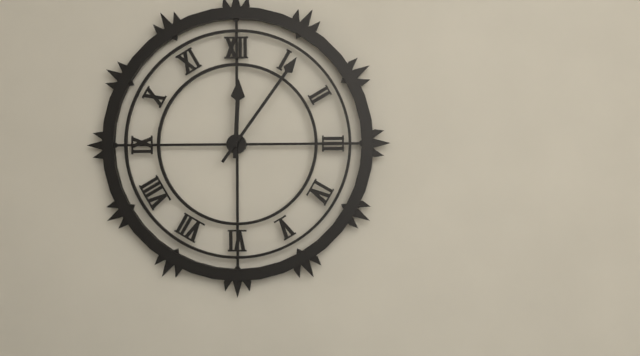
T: 12 h 06 min
